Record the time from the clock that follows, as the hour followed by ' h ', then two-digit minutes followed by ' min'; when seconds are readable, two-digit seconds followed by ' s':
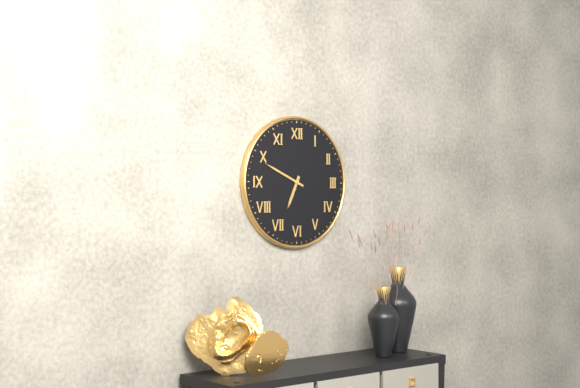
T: 6 h 49 min
